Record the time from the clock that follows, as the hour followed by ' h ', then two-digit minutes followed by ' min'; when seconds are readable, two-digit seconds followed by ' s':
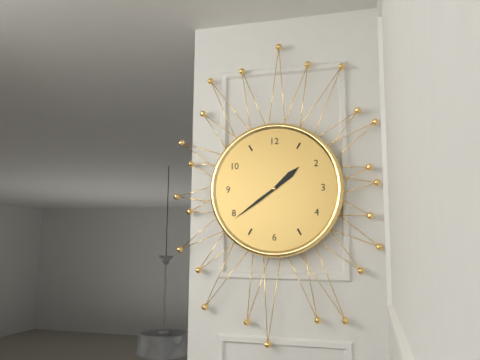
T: 1 h 39 min
